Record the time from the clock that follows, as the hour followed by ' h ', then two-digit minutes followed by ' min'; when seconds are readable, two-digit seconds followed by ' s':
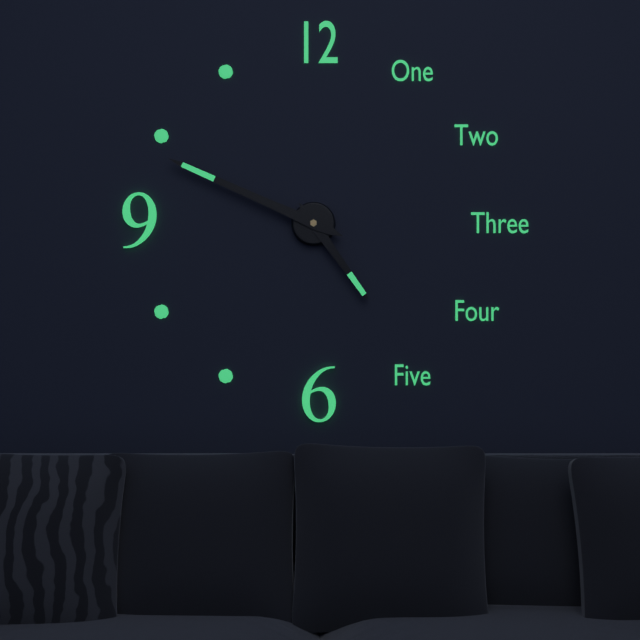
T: 4 h 49 min
